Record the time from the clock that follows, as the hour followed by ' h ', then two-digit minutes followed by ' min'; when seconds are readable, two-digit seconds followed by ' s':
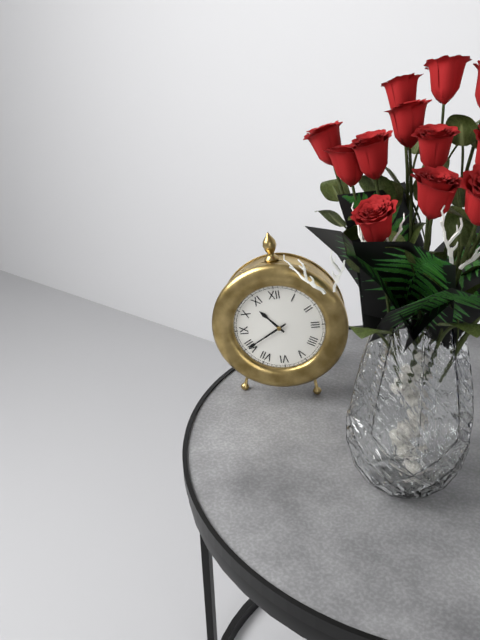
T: 10 h 40 min
